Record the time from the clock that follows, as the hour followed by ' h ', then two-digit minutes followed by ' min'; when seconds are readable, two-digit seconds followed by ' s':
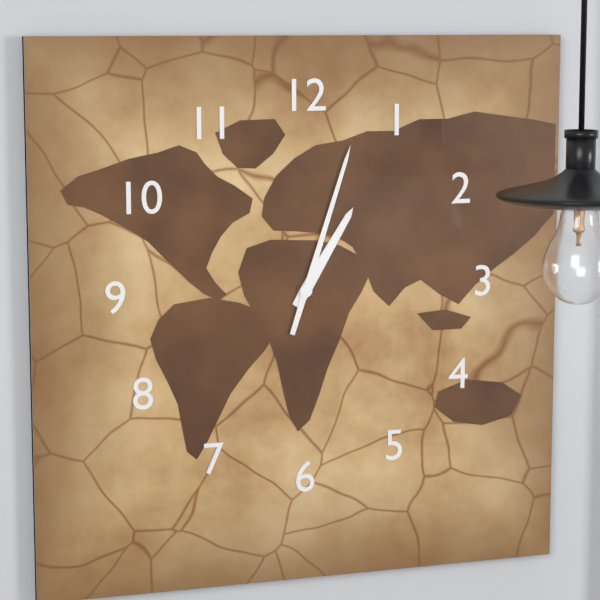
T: 1 h 03 min
